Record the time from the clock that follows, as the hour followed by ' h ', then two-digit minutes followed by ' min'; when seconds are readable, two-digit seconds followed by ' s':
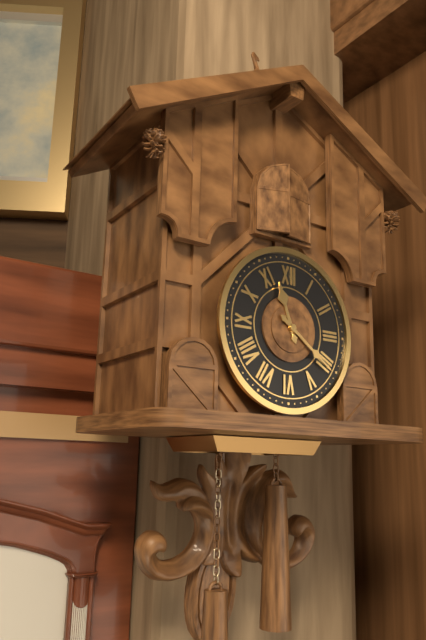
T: 11 h 21 min
